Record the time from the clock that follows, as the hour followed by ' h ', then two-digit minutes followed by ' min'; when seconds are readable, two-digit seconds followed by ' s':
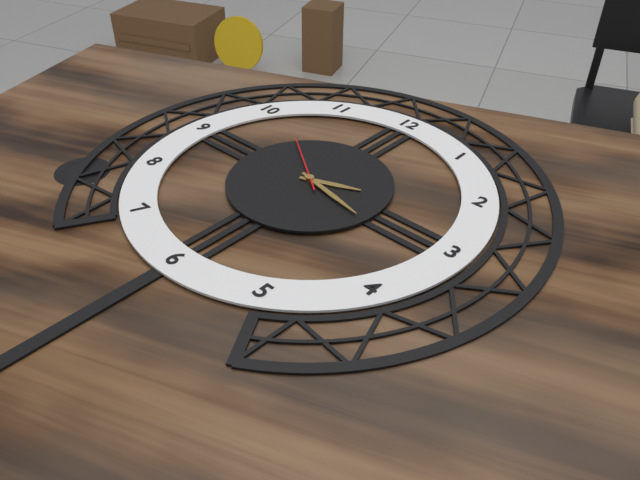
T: 2 h 17 min 51 s
